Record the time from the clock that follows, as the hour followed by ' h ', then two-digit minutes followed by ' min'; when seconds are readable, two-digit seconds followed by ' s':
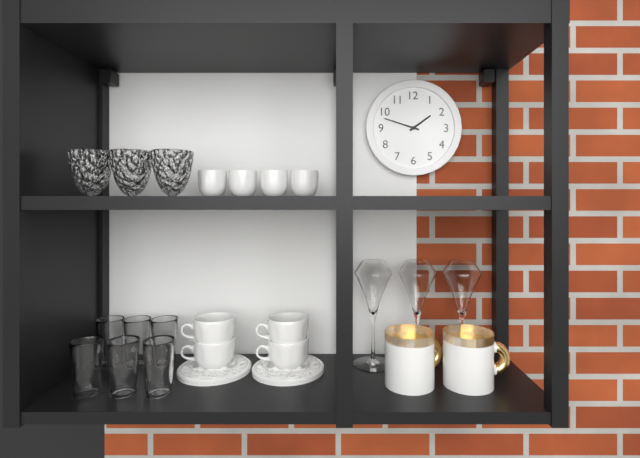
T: 1 h 48 min
